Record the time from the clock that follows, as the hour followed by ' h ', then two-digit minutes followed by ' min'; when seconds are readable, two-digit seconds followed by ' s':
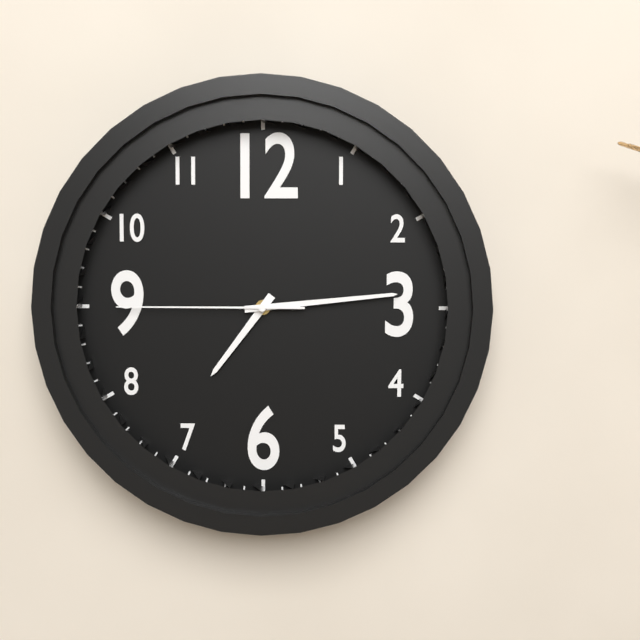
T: 7 h 14 min 45 s
